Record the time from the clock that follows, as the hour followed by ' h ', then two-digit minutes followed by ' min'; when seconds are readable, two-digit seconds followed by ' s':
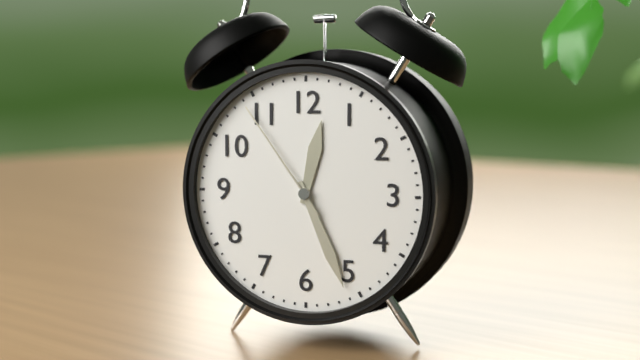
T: 12 h 26 min 54 s
